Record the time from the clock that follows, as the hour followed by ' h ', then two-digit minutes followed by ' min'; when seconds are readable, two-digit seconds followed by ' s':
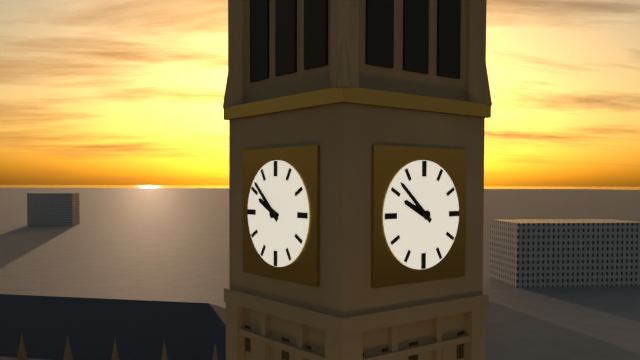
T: 9 h 52 min
